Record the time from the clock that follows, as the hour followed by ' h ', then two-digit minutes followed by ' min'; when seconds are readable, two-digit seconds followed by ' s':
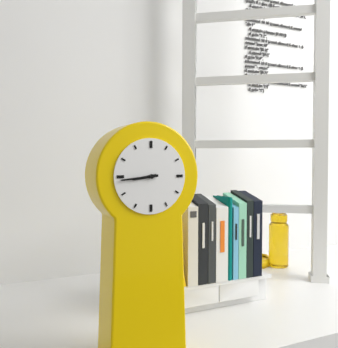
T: 8 h 44 min
